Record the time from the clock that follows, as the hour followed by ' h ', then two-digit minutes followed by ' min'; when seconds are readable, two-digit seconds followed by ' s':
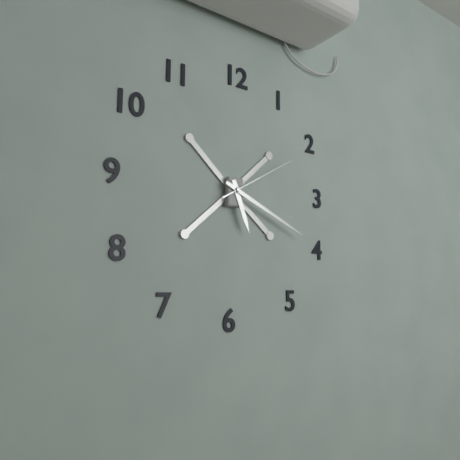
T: 5 h 19 min 10 s
